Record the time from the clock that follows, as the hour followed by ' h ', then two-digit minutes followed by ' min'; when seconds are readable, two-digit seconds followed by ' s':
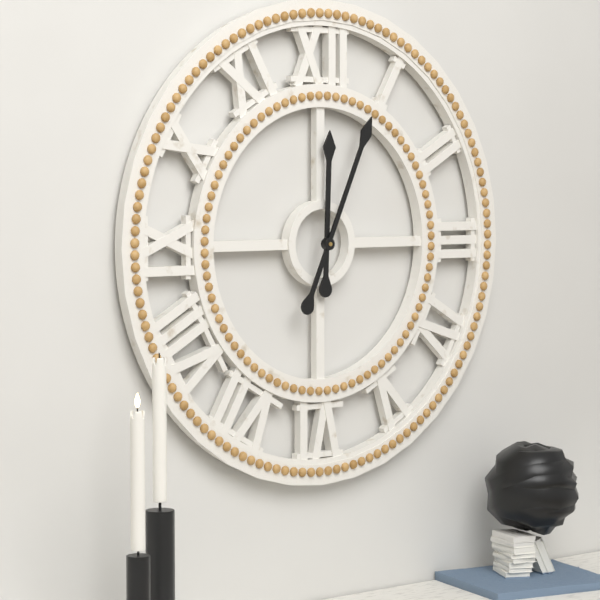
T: 12 h 04 min
